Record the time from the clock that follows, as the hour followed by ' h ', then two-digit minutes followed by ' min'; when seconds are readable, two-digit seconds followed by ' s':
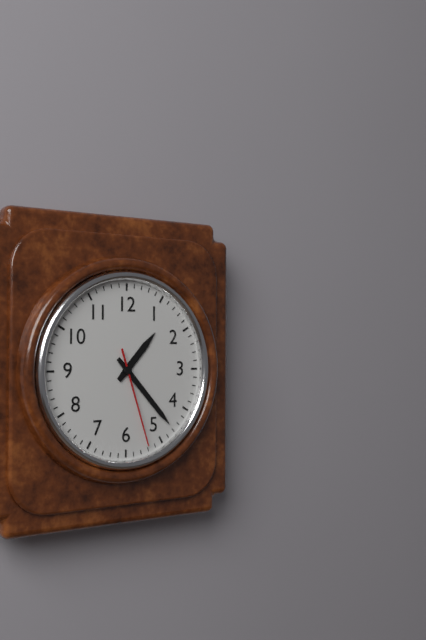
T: 1 h 23 min 27 s
